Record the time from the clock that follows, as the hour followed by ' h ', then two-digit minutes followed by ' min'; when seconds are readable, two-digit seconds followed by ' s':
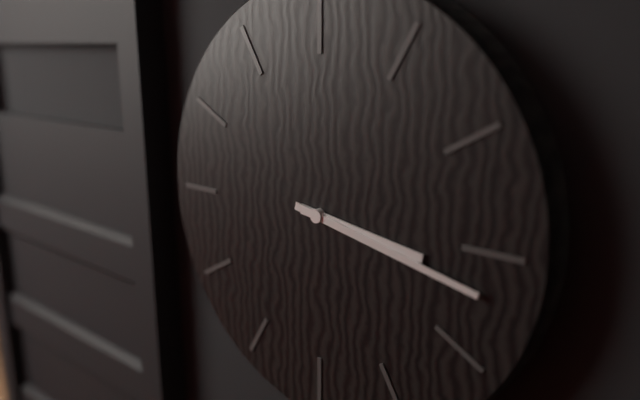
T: 3 h 17 min
